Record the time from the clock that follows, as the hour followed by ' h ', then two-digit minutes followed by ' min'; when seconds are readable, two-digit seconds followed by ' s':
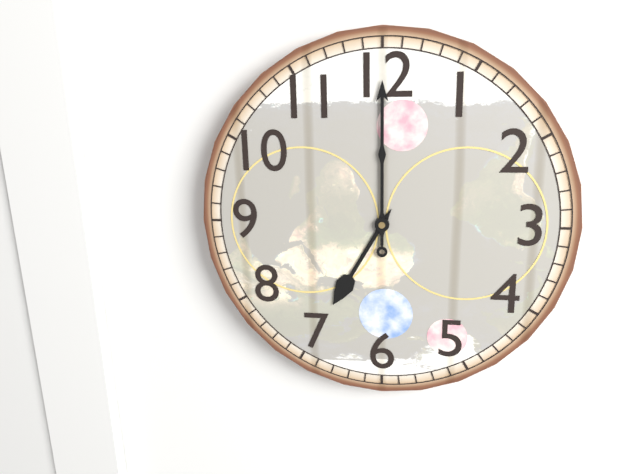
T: 7 h 00 min
